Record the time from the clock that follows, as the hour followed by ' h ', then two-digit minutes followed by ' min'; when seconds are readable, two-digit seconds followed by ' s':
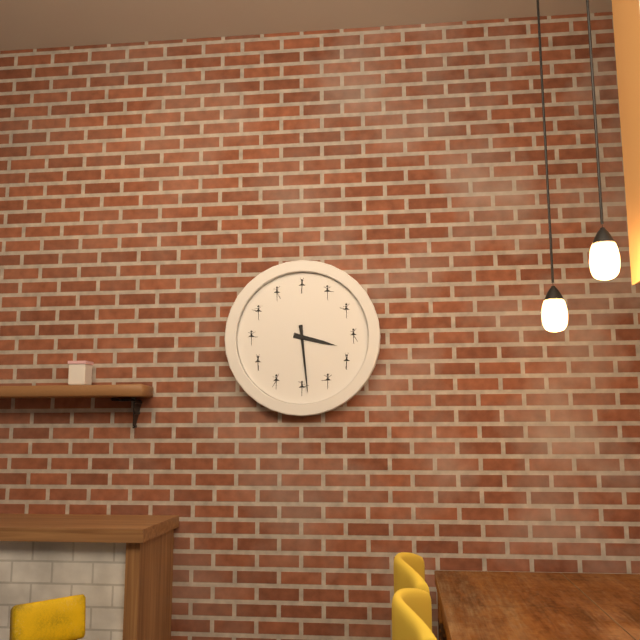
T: 3 h 29 min
